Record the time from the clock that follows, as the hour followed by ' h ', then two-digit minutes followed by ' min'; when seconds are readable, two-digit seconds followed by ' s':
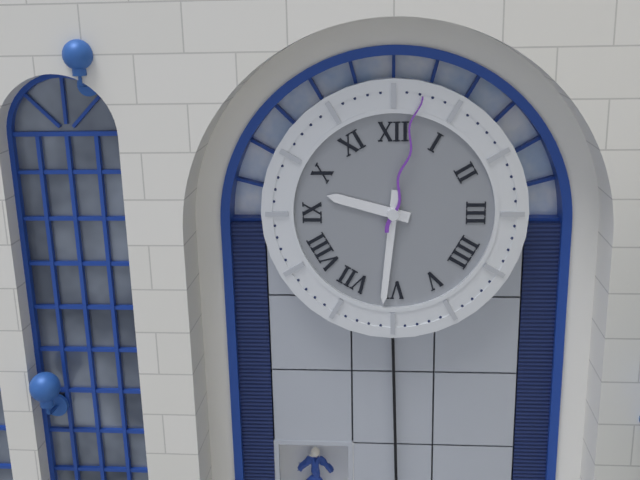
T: 9 h 31 min 02 s
